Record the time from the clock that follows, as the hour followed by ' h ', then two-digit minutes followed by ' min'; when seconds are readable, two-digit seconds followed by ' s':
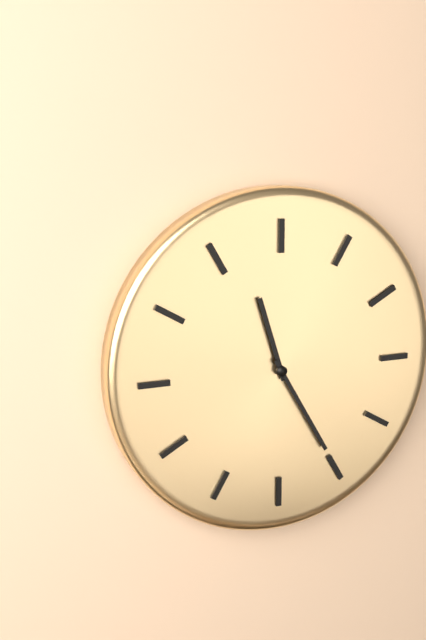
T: 11 h 25 min
